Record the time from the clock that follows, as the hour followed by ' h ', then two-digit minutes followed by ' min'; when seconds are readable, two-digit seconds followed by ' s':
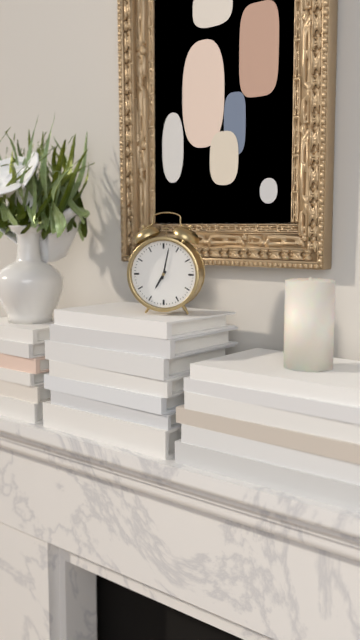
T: 7 h 02 min
